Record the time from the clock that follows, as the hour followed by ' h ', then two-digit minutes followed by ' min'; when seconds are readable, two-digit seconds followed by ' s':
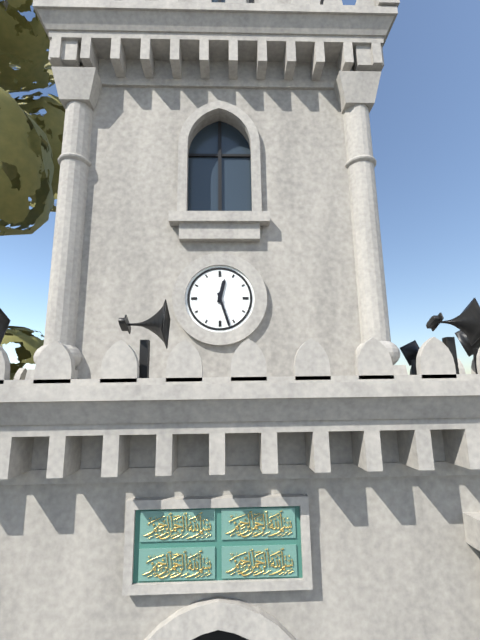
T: 12 h 27 min
